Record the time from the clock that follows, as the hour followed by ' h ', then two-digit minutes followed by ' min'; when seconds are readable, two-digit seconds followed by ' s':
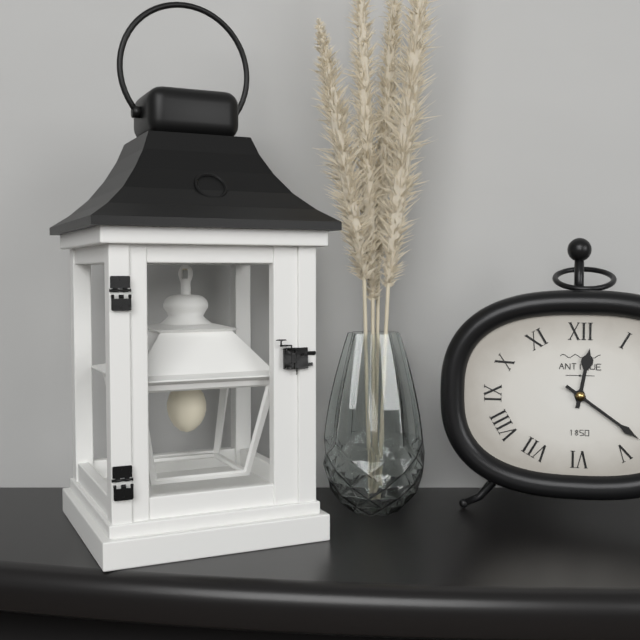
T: 12 h 21 min
